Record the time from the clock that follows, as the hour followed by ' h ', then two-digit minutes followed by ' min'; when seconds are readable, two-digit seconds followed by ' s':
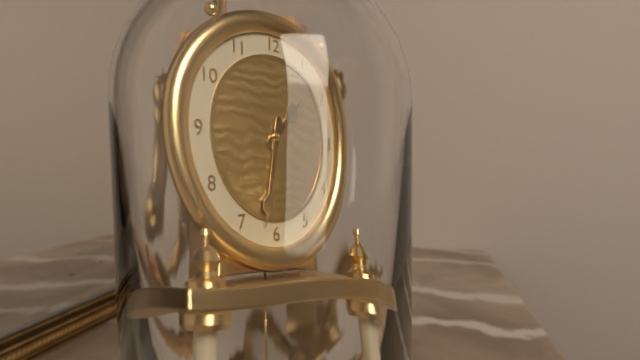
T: 1 h 32 min
